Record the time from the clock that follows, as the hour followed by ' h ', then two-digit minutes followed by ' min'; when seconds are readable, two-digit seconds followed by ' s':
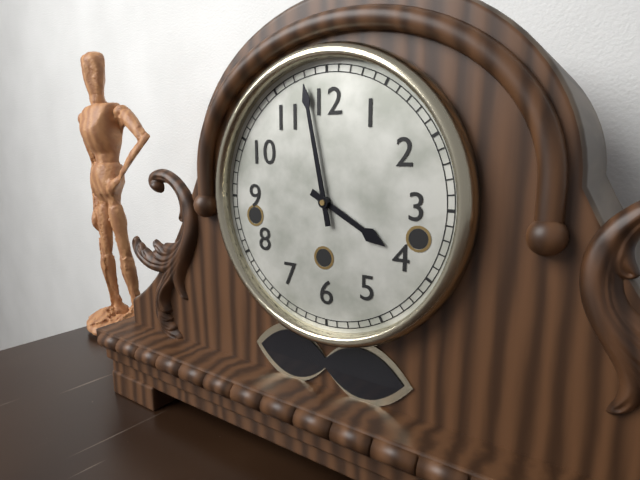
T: 3 h 58 min
